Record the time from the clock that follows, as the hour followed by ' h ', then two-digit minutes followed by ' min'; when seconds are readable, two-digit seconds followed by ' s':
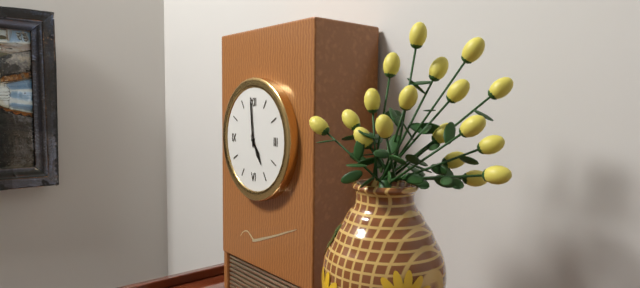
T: 4 h 59 min
